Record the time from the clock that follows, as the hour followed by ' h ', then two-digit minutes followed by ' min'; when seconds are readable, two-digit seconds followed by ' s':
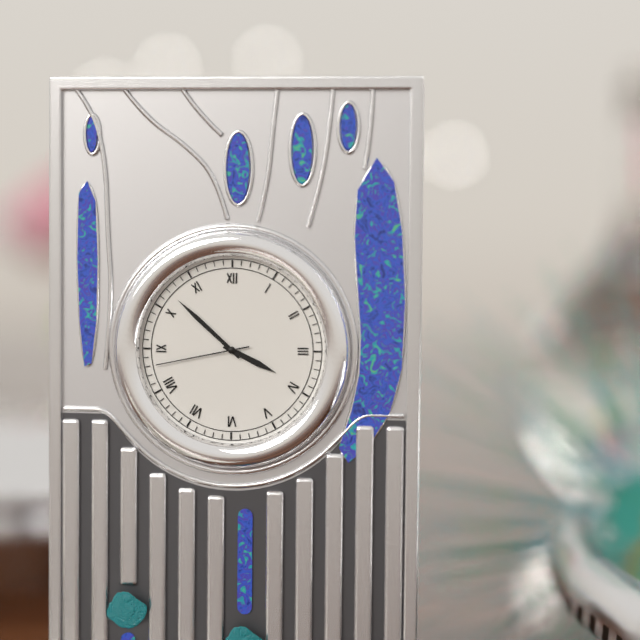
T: 3 h 52 min 43 s
